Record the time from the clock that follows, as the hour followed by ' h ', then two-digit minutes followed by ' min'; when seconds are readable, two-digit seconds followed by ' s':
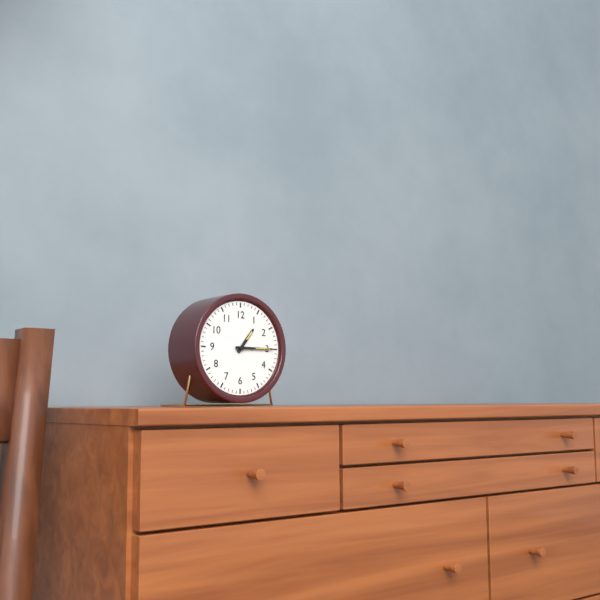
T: 1 h 15 min
